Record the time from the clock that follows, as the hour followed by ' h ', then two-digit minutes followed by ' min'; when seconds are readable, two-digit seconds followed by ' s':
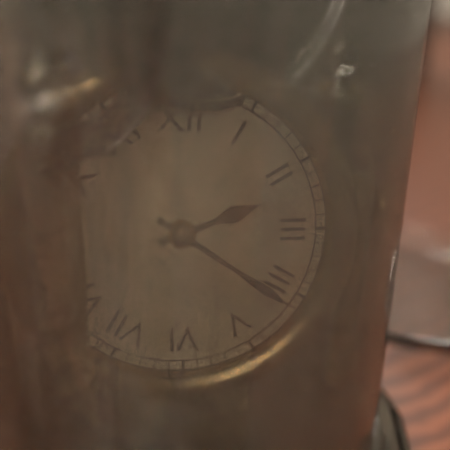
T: 2 h 21 min
